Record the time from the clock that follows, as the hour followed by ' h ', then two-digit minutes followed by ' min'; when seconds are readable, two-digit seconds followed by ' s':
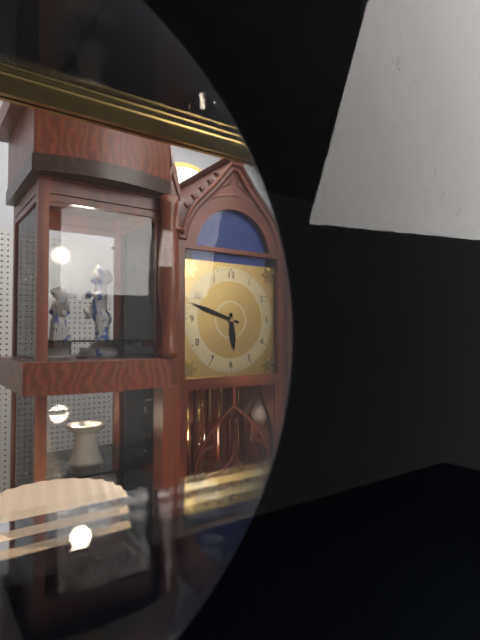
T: 5 h 48 min
